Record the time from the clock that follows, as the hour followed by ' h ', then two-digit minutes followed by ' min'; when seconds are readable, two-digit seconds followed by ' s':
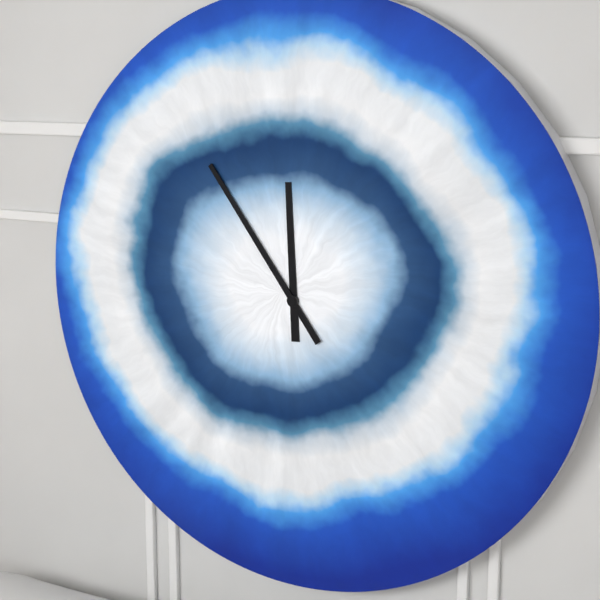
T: 11 h 54 min
